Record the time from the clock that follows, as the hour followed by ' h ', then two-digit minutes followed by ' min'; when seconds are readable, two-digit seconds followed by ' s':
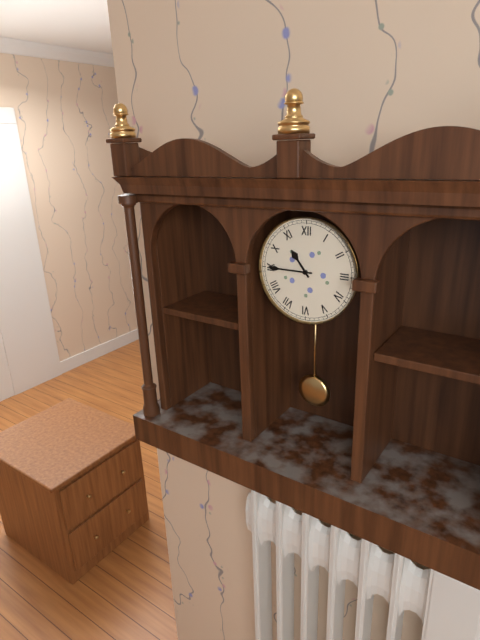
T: 10 h 45 min
